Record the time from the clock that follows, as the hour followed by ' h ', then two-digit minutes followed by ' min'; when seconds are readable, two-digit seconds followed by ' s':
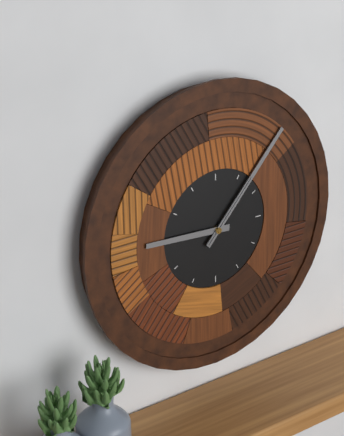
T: 9 h 07 min 07 s
